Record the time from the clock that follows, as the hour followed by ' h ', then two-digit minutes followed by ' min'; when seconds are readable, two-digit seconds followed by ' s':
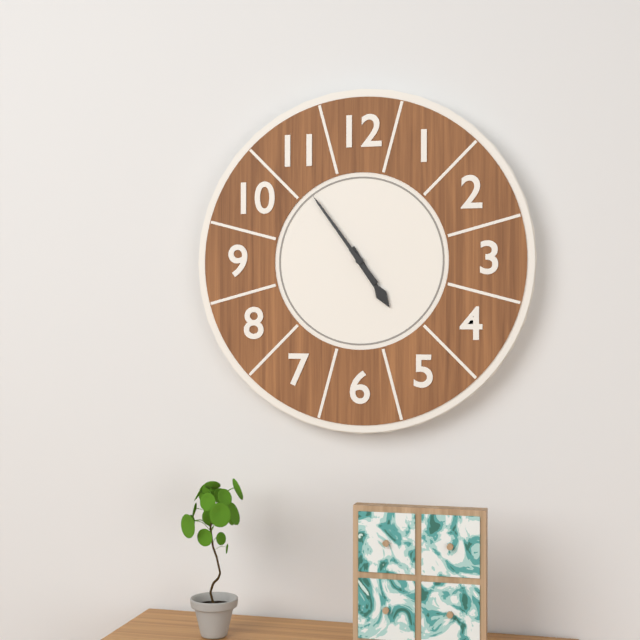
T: 4 h 54 min
